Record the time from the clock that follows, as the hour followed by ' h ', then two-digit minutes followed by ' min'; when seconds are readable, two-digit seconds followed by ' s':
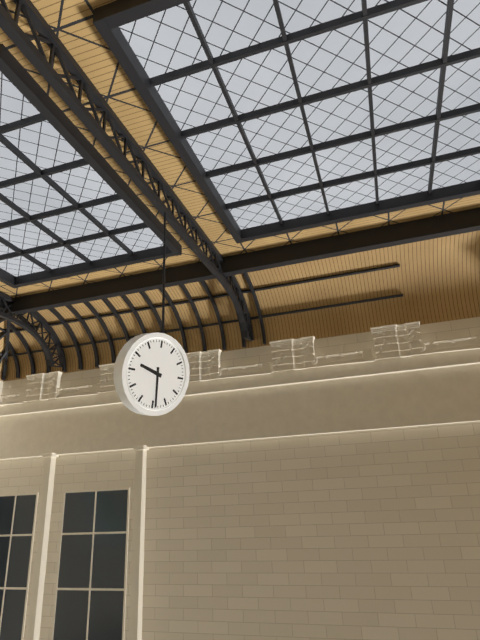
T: 9 h 29 min
